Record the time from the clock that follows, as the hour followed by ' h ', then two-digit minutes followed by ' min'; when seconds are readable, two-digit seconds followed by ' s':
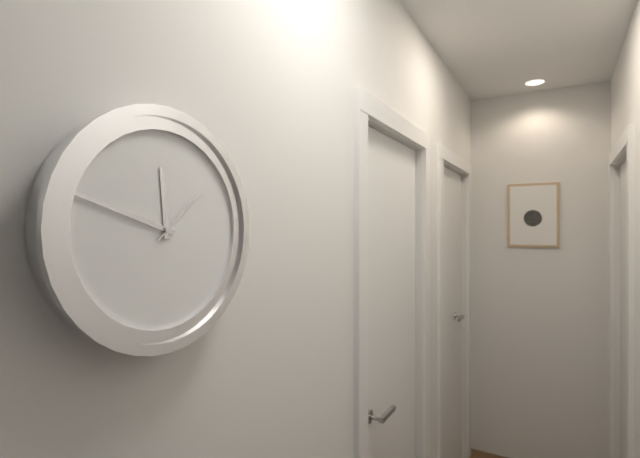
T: 11 h 48 min 08 s
